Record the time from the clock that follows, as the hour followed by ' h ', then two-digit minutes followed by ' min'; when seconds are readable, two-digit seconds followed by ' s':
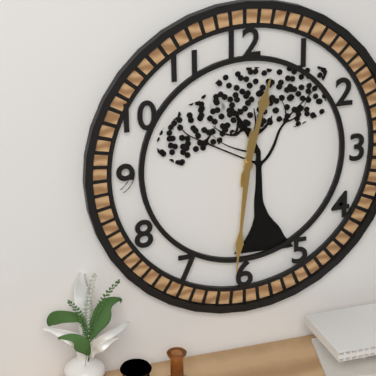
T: 12 h 31 min
